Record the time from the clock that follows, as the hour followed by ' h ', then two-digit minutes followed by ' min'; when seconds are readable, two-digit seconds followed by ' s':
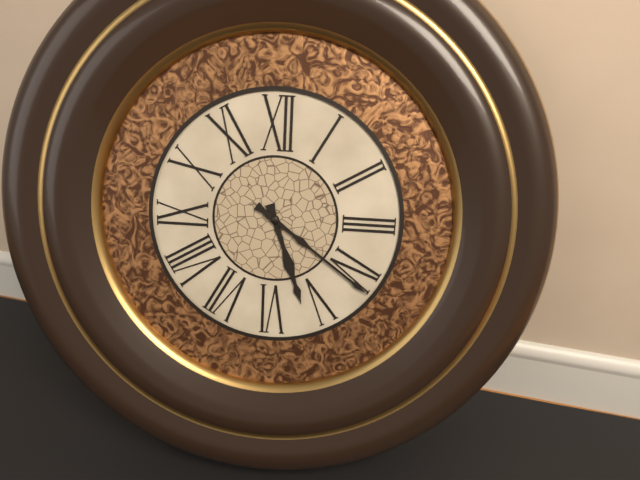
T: 5 h 21 min
